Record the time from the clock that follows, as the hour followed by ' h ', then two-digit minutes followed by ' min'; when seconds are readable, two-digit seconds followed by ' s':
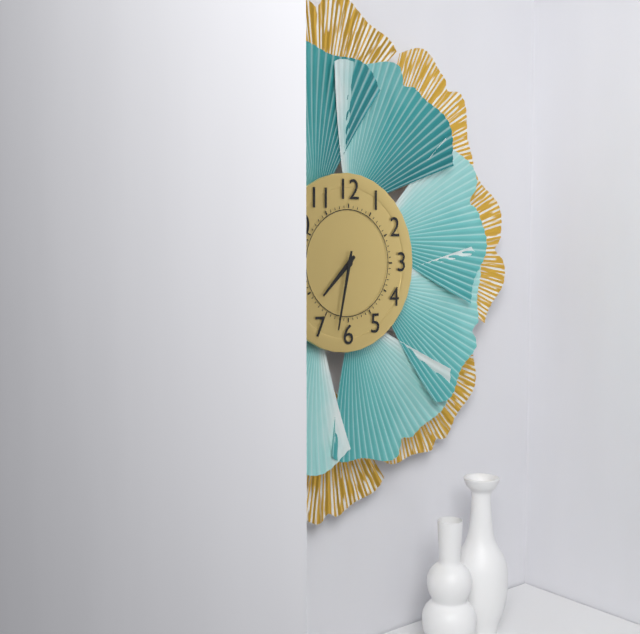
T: 7 h 32 min
